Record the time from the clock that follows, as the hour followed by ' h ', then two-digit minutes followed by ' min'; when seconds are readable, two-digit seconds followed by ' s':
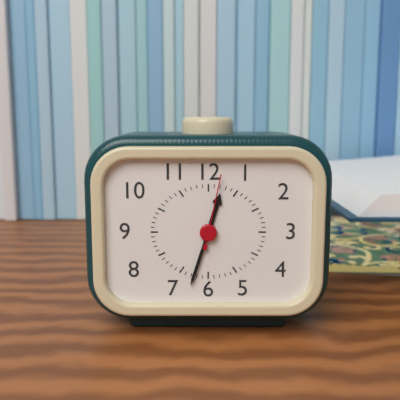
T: 12 h 33 min 02 s
